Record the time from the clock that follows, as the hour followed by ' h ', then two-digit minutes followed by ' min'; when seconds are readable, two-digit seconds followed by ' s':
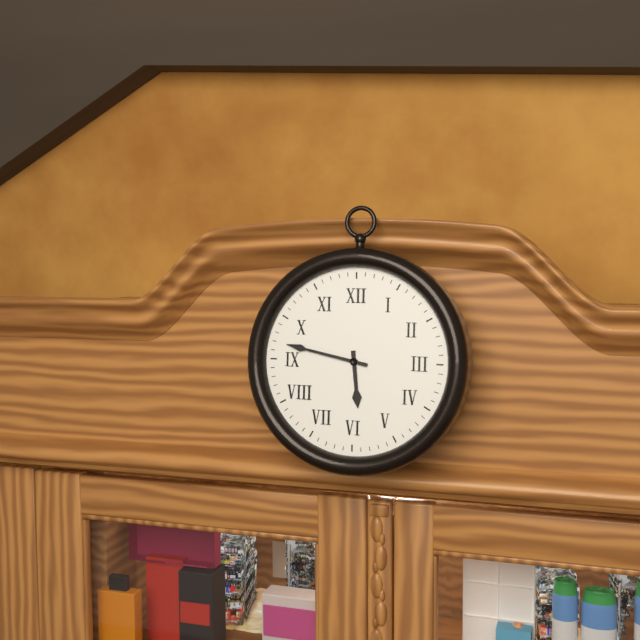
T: 5 h 47 min
